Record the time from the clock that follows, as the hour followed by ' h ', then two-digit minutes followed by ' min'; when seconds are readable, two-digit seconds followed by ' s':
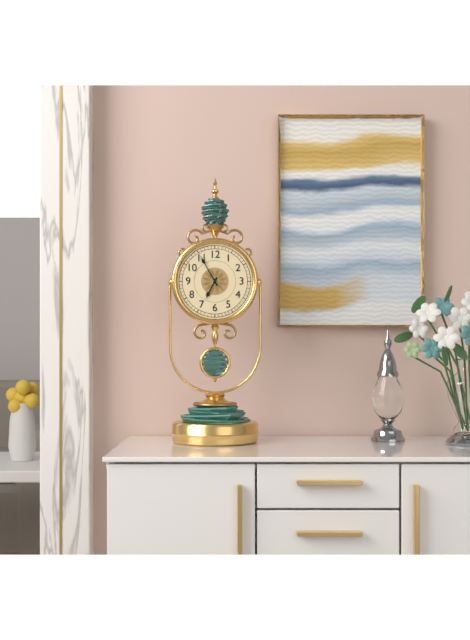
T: 6 h 55 min
